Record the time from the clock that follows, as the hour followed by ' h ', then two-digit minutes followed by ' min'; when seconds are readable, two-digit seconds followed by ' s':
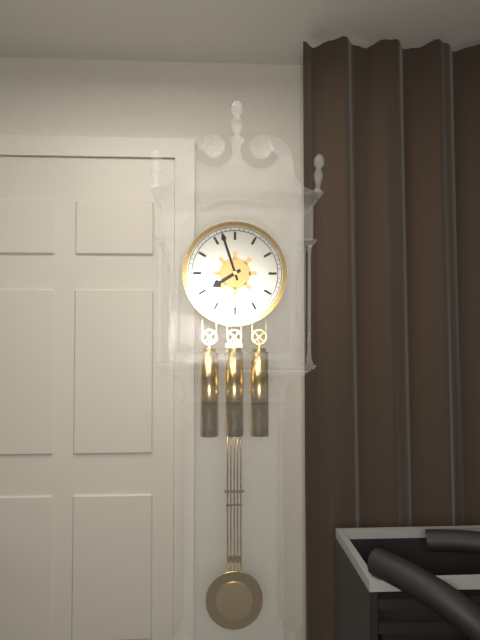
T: 7 h 57 min
